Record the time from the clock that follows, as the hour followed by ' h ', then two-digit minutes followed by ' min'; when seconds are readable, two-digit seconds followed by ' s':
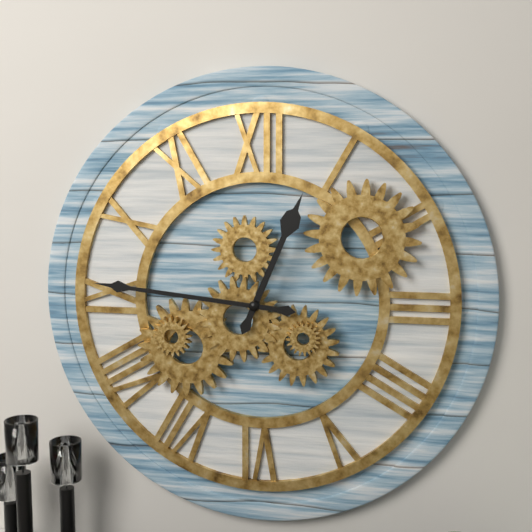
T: 12 h 46 min
